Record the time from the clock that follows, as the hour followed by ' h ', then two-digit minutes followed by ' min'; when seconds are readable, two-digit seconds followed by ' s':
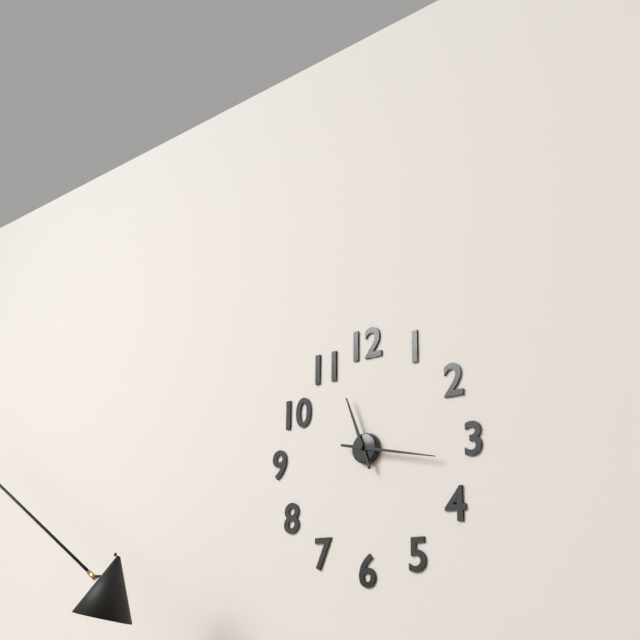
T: 11 h 17 min
